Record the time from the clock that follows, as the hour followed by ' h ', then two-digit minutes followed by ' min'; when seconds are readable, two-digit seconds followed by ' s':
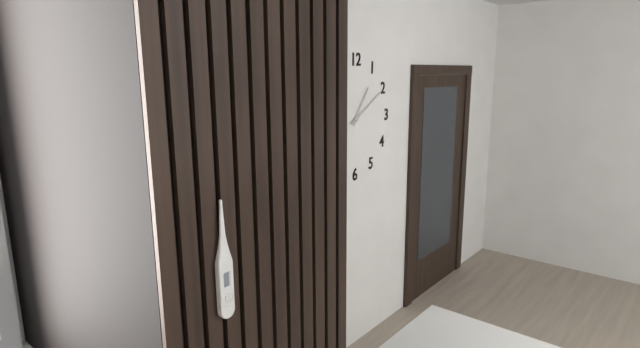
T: 1 h 10 min
